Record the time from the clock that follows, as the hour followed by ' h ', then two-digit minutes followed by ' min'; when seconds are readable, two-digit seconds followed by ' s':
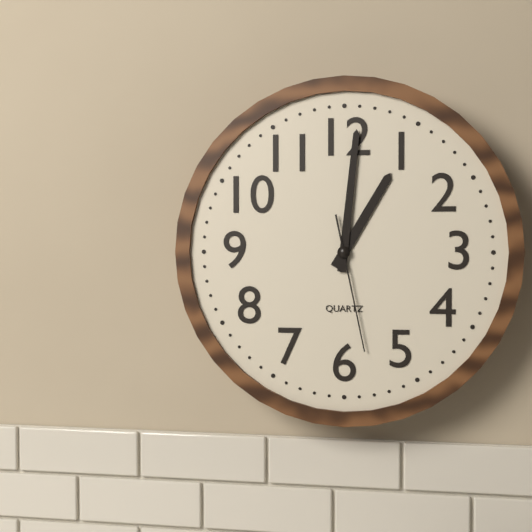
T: 1 h 01 min 28 s
